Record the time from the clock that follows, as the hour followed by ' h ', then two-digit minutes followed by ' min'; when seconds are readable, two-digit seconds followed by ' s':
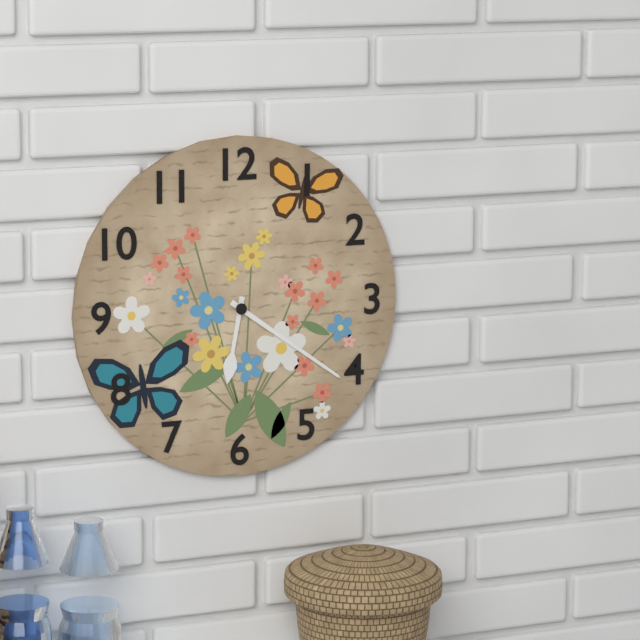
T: 6 h 21 min
